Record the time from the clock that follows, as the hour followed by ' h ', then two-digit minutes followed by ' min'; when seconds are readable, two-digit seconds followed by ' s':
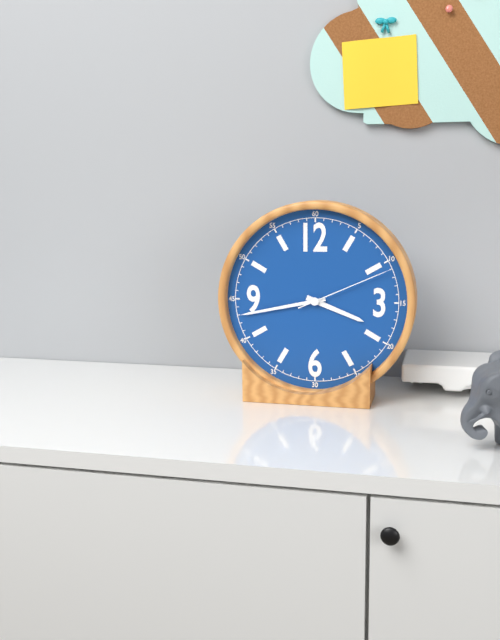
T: 3 h 43 min 11 s
